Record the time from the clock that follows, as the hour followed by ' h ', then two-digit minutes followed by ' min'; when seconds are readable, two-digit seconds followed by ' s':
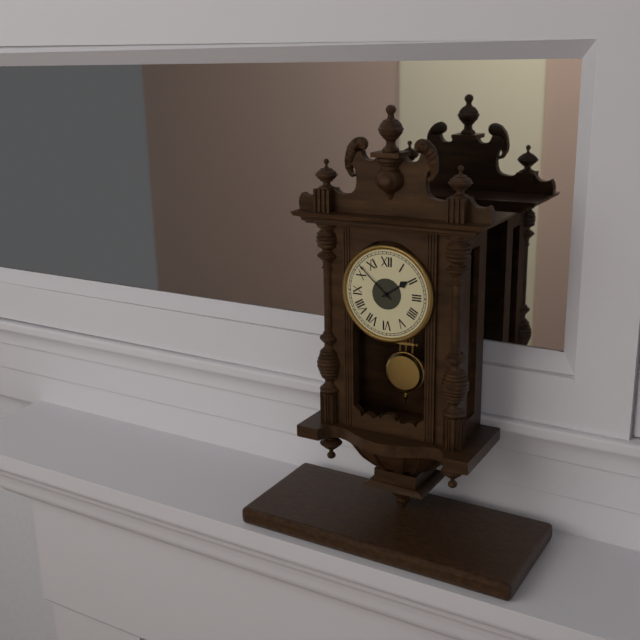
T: 1 h 52 min
